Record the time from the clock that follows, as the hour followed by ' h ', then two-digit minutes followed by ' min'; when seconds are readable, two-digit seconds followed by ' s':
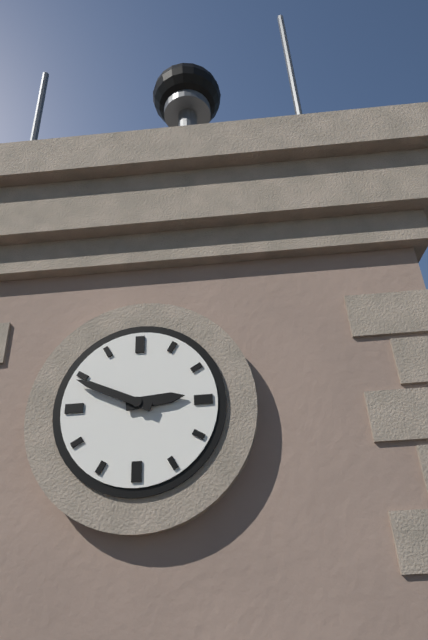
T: 2 h 49 min
